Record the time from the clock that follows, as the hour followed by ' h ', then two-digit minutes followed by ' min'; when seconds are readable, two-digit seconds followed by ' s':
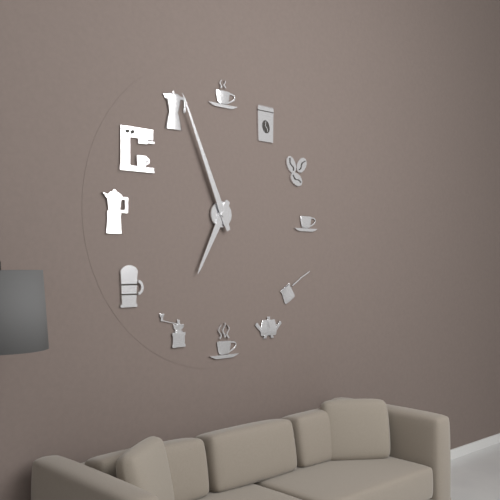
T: 6 h 56 min
